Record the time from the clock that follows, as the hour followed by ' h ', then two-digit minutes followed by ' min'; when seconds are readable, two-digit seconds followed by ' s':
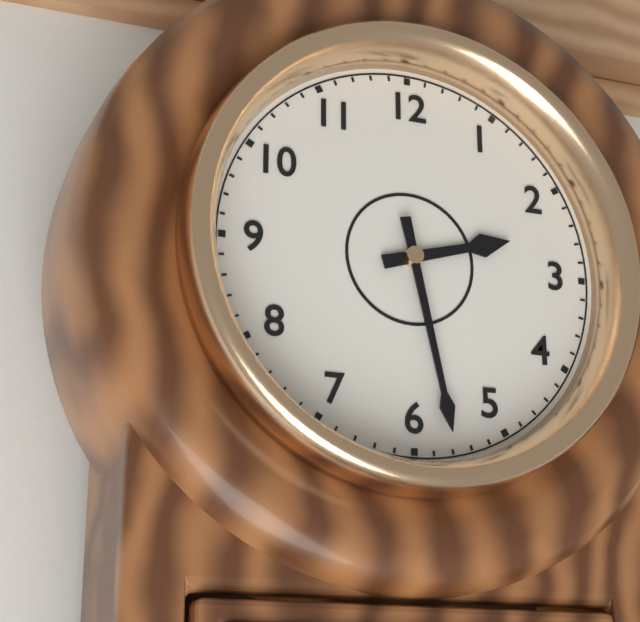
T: 2 h 28 min
